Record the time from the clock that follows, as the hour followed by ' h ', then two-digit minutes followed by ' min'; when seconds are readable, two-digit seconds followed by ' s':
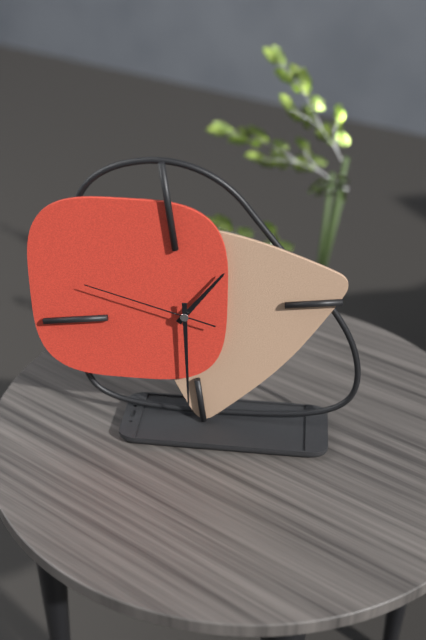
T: 1 h 31 min 49 s
